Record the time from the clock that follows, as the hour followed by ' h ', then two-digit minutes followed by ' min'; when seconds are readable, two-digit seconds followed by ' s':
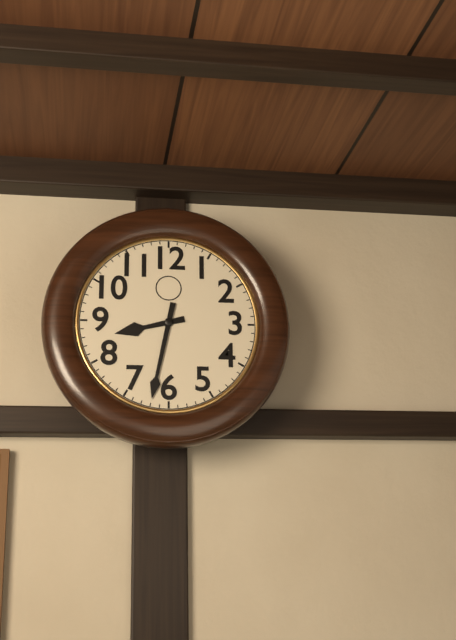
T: 8 h 32 min
